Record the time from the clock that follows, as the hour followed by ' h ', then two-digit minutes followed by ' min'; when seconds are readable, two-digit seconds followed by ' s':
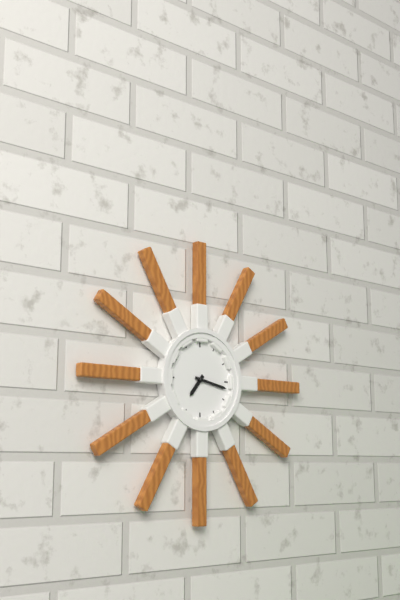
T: 7 h 17 min
